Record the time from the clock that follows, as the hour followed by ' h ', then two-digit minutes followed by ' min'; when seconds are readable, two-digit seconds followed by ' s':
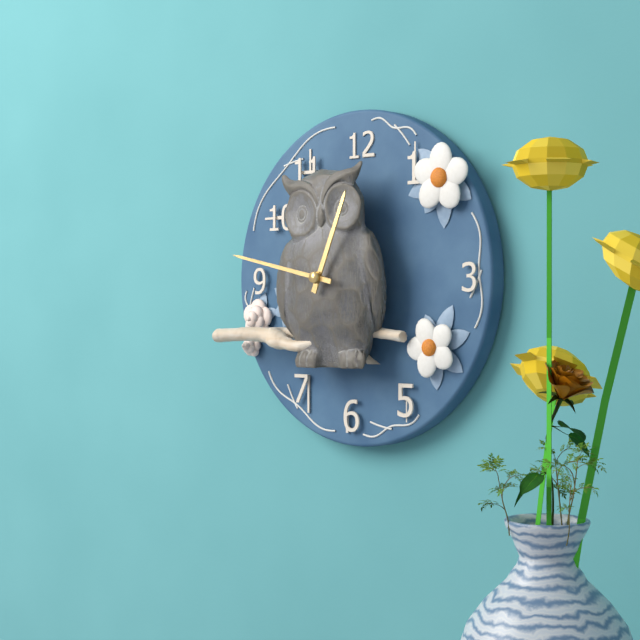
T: 12 h 47 min
